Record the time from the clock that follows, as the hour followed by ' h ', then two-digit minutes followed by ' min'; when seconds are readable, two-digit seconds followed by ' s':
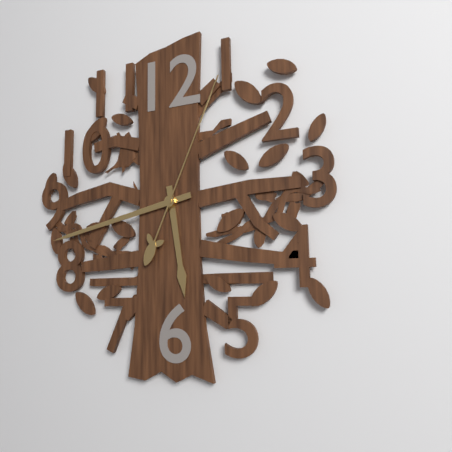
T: 5 h 43 min 04 s
